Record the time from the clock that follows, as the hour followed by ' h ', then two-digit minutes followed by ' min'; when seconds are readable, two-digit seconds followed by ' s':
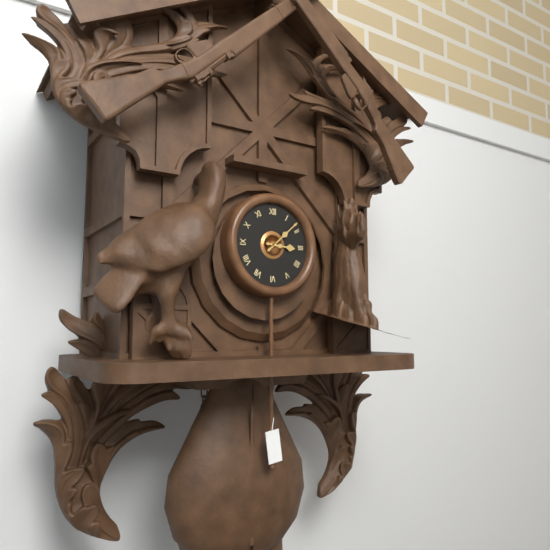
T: 3 h 08 min
